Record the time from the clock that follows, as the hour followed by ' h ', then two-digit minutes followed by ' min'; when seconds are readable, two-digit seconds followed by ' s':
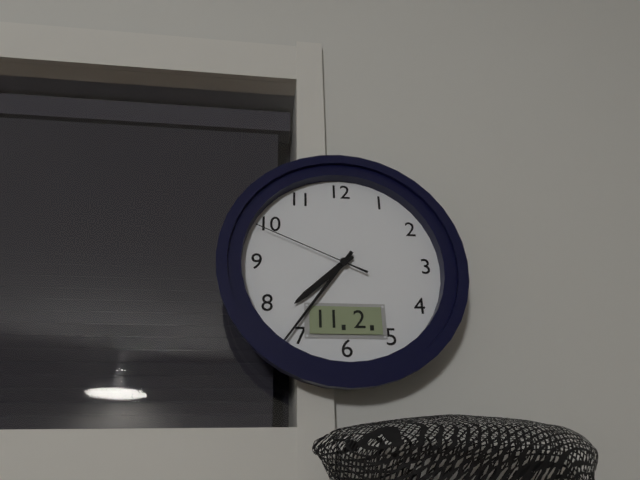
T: 7 h 36 min 49 s
